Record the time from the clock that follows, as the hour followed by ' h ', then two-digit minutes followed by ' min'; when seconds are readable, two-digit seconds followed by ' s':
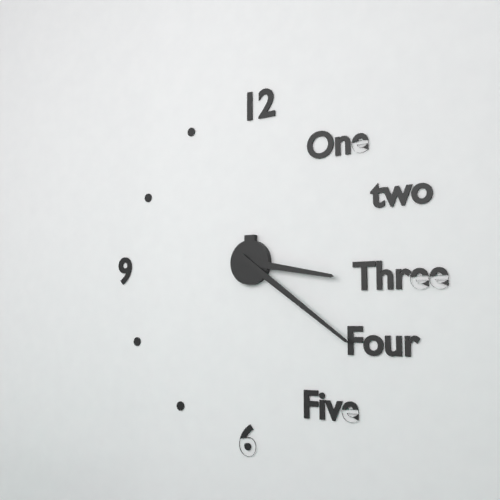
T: 3 h 21 min
